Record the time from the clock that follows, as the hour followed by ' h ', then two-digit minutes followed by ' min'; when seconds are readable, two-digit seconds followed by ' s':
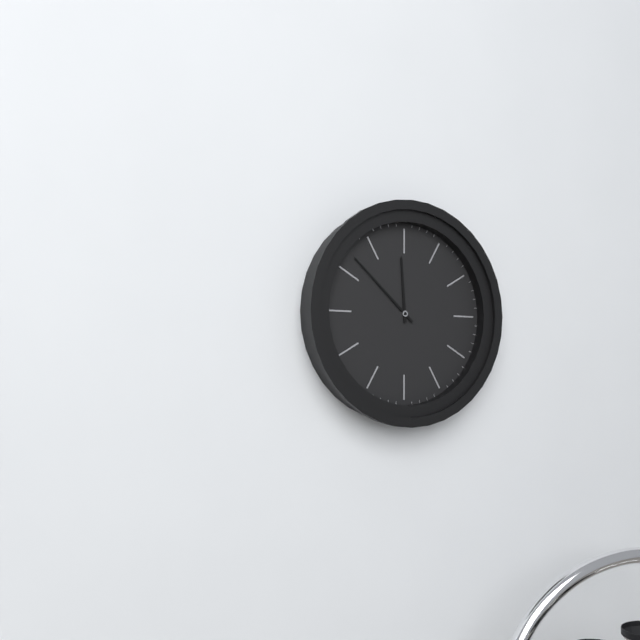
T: 11 h 52 min
